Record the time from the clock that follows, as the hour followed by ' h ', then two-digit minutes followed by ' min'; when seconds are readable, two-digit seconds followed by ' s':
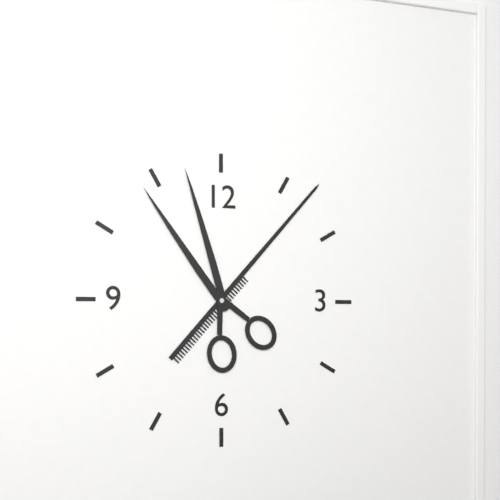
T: 11 h 07 min
